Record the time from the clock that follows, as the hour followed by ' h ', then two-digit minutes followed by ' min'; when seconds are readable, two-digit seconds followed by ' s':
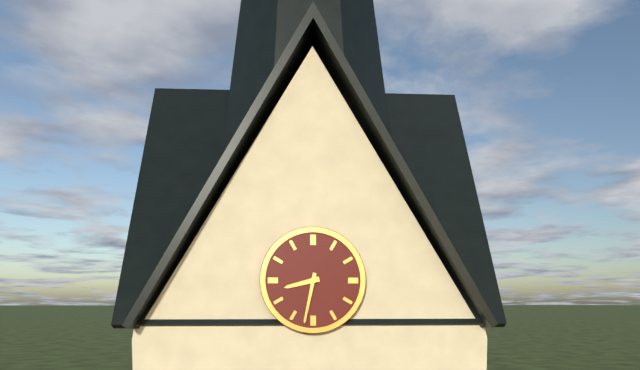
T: 8 h 32 min
